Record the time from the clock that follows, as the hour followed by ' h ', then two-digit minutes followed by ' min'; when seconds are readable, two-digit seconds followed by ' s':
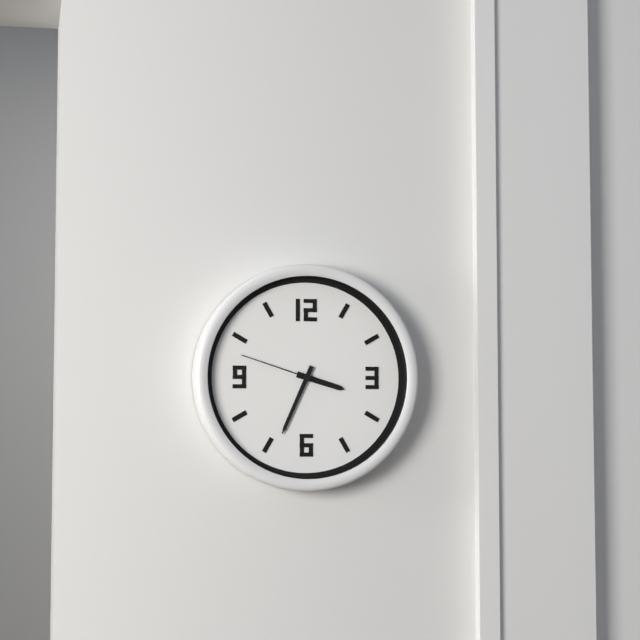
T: 3 h 34 min 48 s
